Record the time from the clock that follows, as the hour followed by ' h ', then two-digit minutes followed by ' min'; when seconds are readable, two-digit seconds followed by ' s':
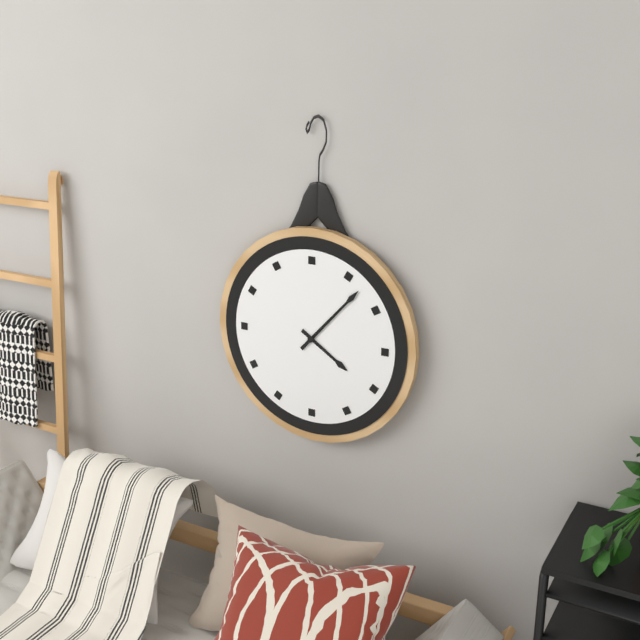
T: 4 h 07 min
